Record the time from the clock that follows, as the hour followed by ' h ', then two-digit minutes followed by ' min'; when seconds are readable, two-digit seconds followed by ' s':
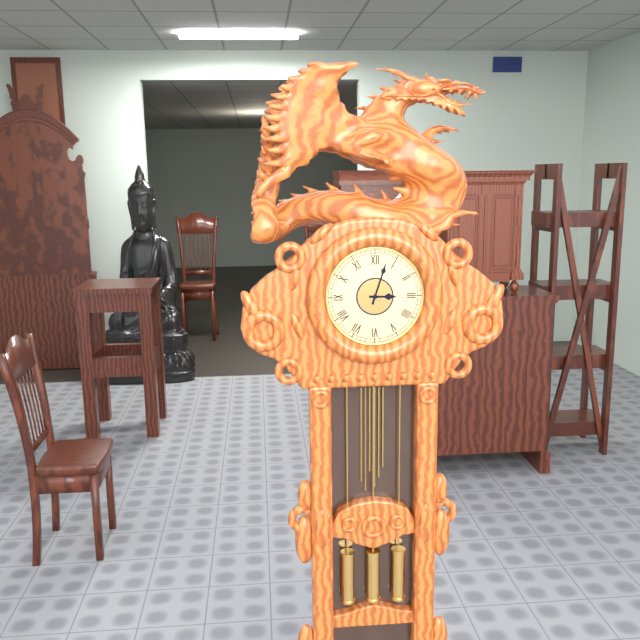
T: 3 h 03 min
